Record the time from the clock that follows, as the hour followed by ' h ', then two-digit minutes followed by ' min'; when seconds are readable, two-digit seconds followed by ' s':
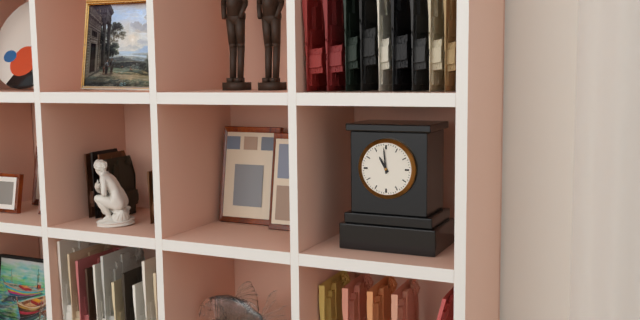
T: 10 h 59 min
